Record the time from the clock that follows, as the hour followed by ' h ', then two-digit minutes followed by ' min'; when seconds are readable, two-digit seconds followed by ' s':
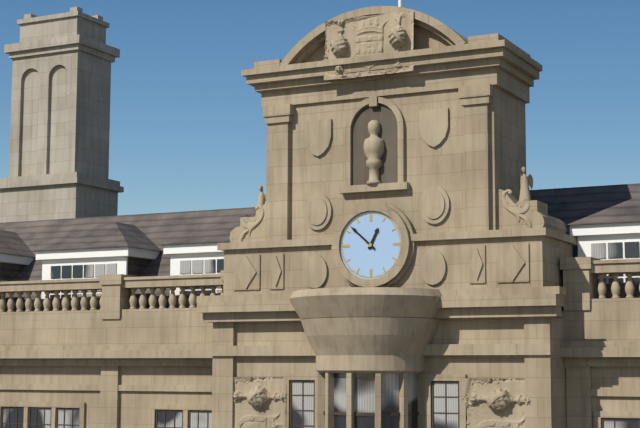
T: 12 h 52 min
